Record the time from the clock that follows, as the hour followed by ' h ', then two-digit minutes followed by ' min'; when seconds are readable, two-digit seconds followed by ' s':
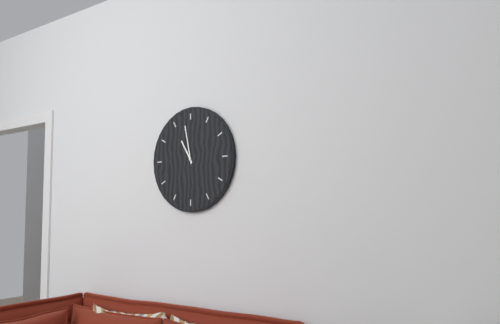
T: 10 h 58 min
